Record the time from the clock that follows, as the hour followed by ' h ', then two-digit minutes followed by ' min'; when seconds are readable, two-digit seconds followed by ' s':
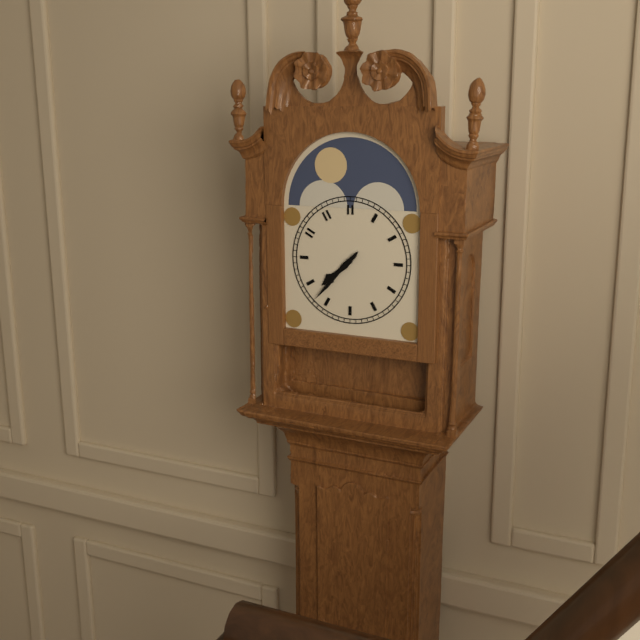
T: 7 h 37 min
